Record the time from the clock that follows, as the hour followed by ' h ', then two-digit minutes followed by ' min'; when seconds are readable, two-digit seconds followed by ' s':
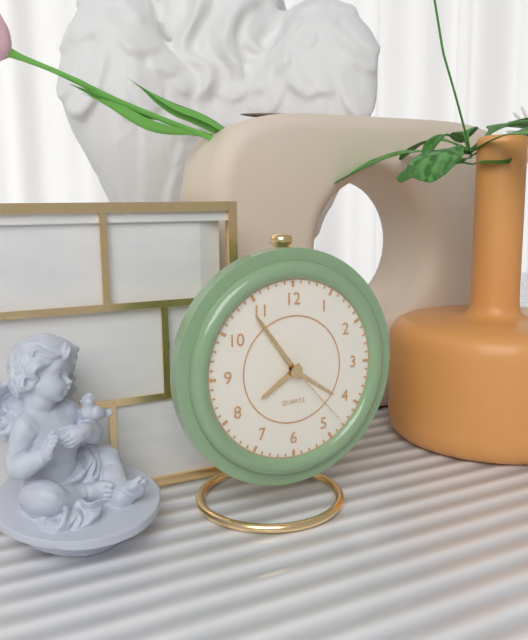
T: 7 h 54 min 23 s
